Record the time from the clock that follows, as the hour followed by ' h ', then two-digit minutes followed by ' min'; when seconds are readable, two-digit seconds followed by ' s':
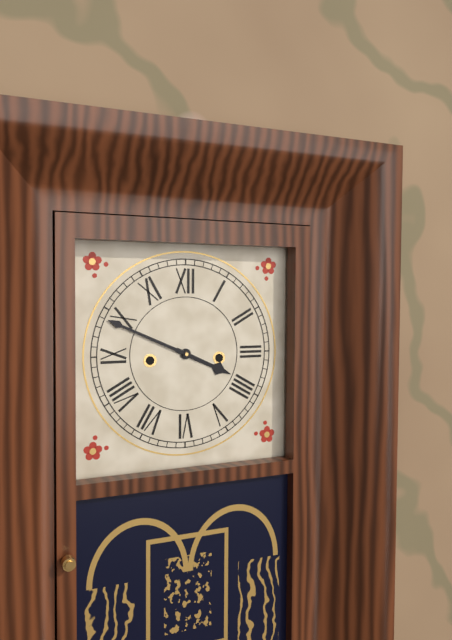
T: 3 h 49 min
